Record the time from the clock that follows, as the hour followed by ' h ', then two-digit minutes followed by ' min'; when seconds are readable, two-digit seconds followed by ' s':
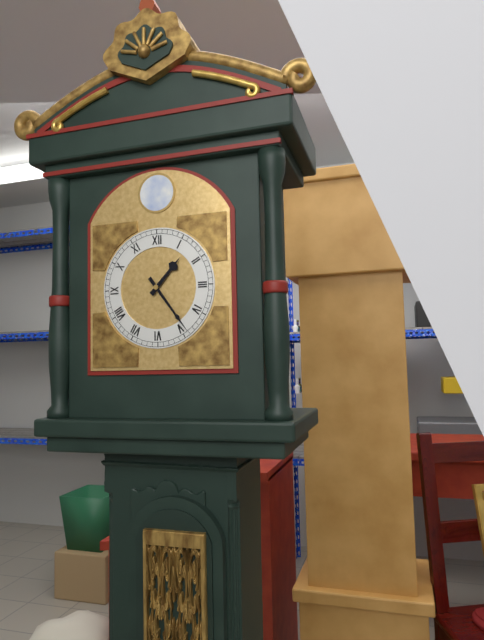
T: 1 h 24 min
